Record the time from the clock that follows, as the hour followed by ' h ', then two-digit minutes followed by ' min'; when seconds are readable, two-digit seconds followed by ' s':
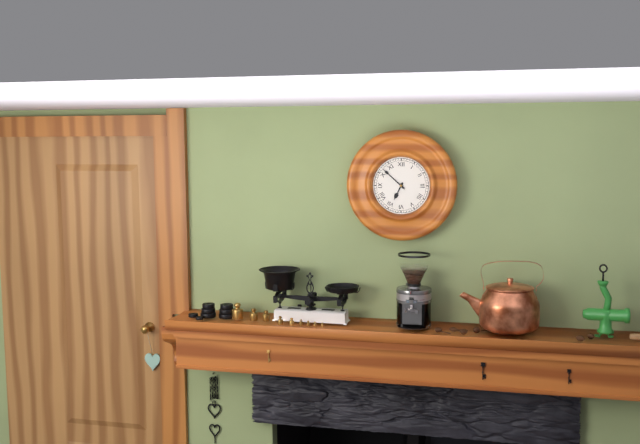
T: 6 h 52 min
